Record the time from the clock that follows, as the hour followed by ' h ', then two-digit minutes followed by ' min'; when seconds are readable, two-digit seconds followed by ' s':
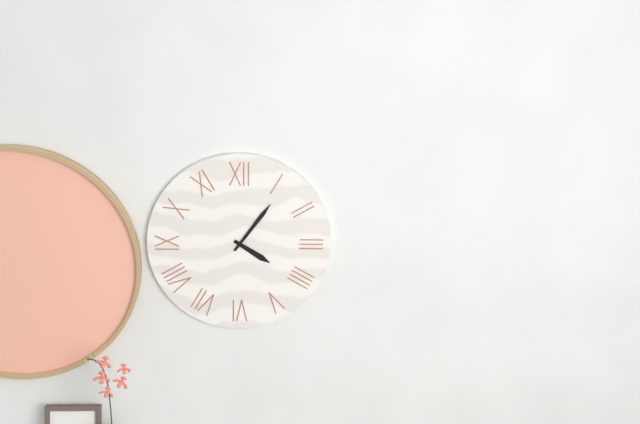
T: 4 h 06 min
